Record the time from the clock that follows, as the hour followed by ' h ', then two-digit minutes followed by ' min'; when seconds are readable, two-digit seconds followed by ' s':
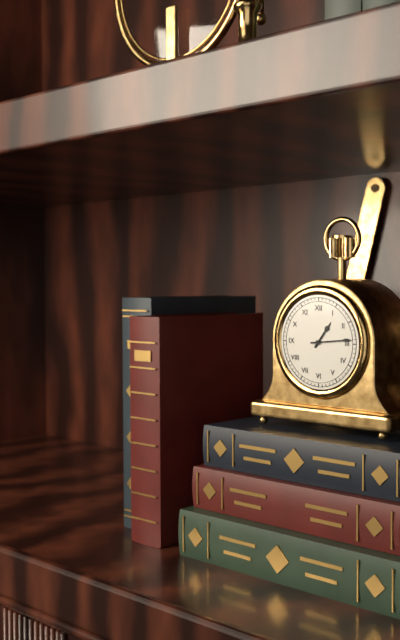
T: 1 h 14 min
